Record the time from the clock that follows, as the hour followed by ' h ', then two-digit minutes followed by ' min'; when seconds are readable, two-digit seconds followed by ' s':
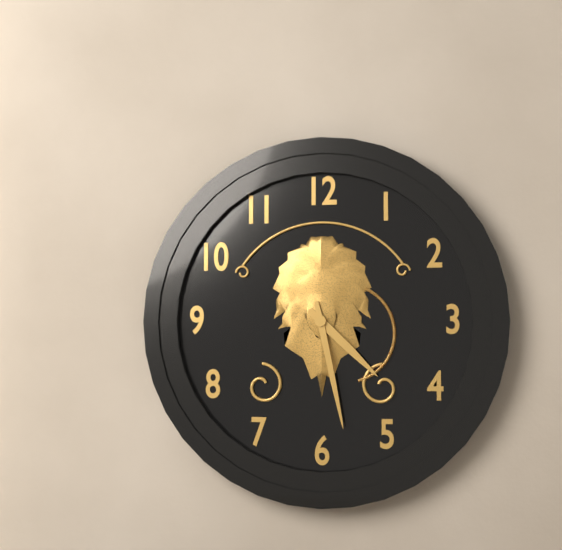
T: 4 h 28 min
